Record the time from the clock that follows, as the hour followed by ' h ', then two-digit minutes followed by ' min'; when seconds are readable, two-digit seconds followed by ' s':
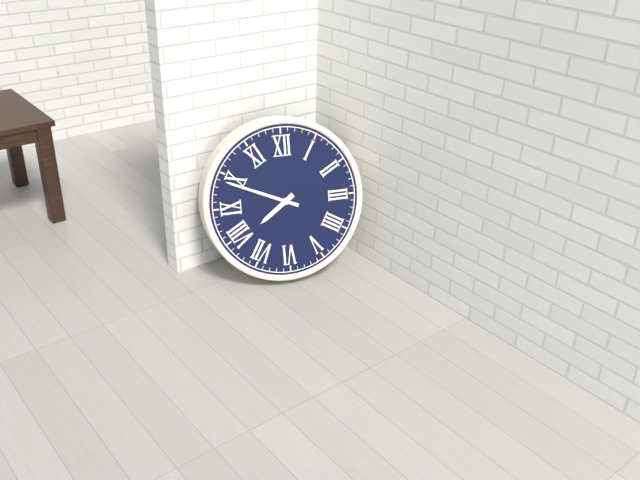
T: 7 h 49 min
